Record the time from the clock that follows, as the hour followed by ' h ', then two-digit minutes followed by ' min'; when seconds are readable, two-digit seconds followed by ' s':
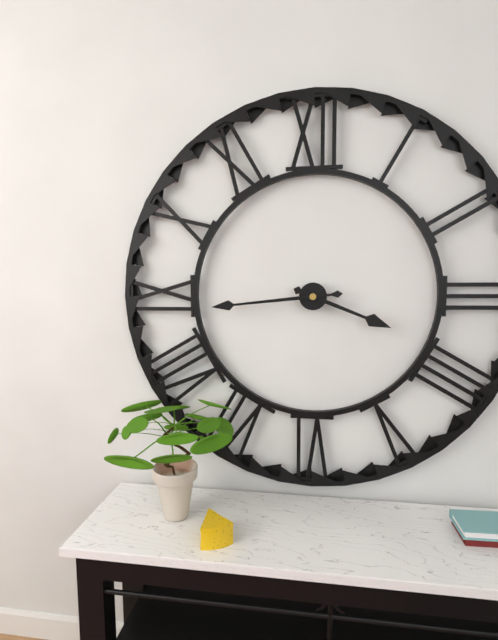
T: 3 h 44 min
